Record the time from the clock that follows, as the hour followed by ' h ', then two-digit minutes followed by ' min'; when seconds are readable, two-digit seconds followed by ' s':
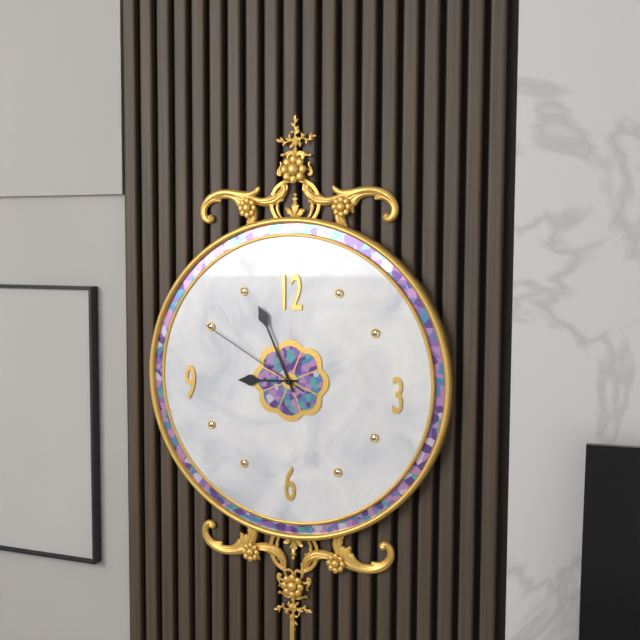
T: 8 h 56 min 50 s
